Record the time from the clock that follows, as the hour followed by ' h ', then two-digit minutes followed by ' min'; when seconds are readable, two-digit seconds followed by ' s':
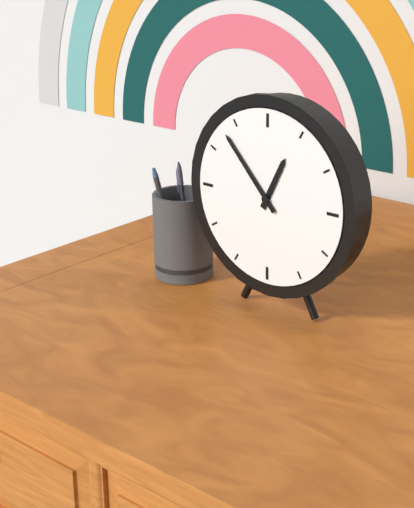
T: 12 h 53 min
